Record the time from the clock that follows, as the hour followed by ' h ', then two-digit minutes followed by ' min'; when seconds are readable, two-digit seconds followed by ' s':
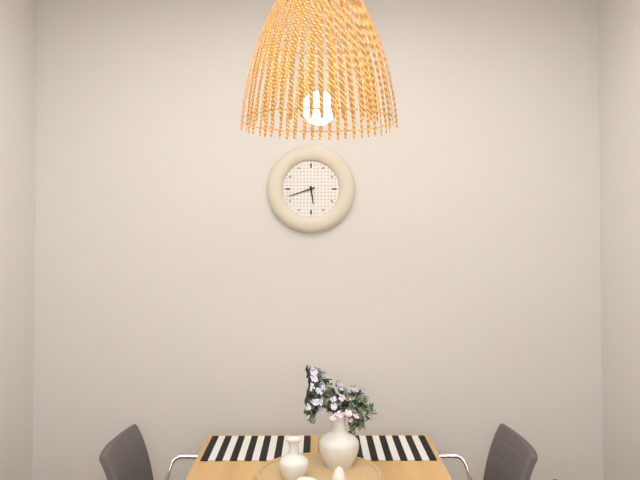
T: 5 h 42 min
